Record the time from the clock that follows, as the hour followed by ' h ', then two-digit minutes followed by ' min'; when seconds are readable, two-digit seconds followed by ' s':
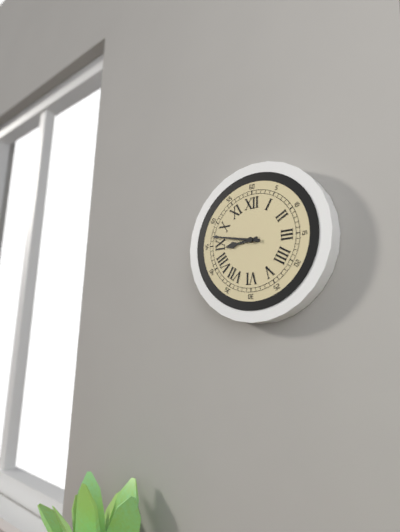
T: 8 h 47 min
